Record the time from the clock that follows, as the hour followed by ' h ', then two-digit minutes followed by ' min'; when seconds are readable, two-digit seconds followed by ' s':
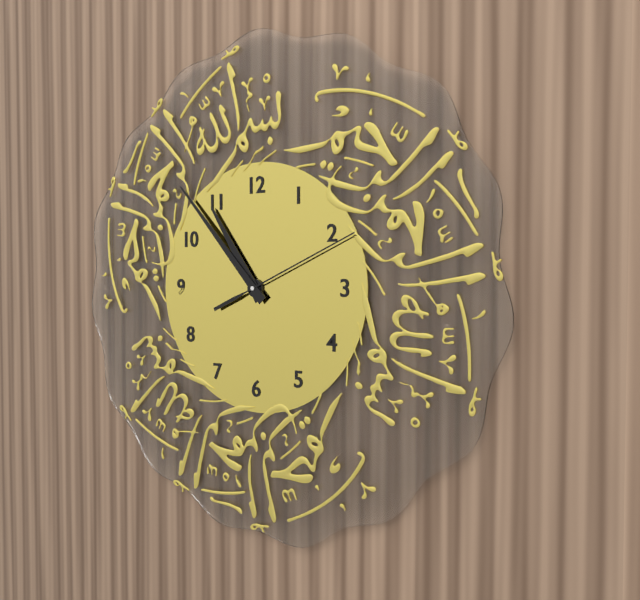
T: 10 h 53 min 11 s
